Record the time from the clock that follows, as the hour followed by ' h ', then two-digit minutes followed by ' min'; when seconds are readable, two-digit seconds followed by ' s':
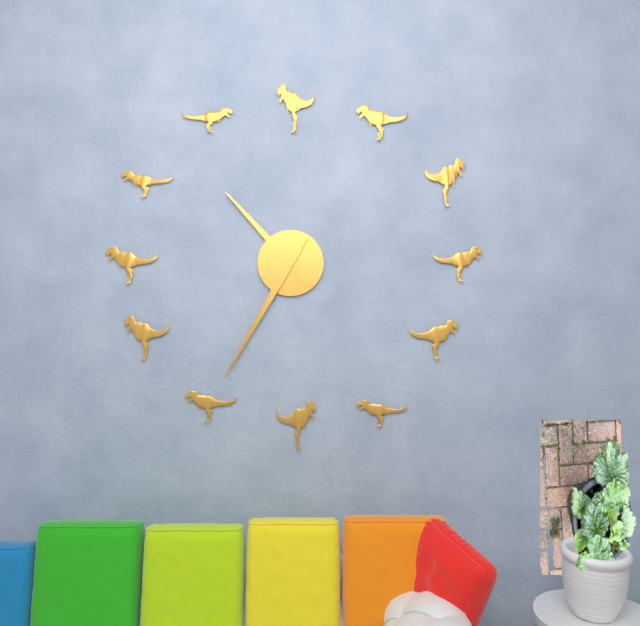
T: 10 h 35 min
